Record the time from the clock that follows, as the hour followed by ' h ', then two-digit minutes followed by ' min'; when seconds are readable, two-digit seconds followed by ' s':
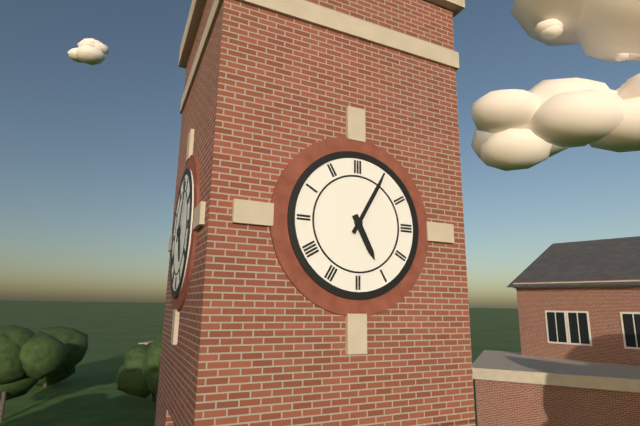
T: 5 h 05 min
